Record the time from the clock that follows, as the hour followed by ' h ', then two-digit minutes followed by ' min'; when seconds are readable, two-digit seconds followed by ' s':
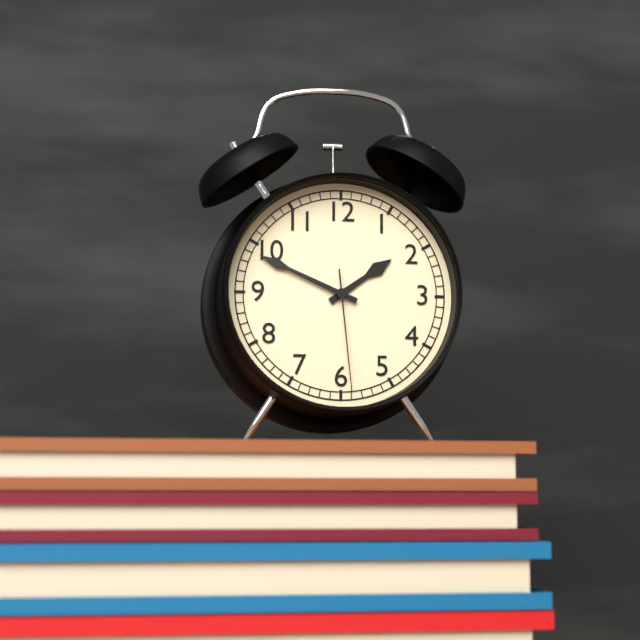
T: 1 h 49 min 29 s
